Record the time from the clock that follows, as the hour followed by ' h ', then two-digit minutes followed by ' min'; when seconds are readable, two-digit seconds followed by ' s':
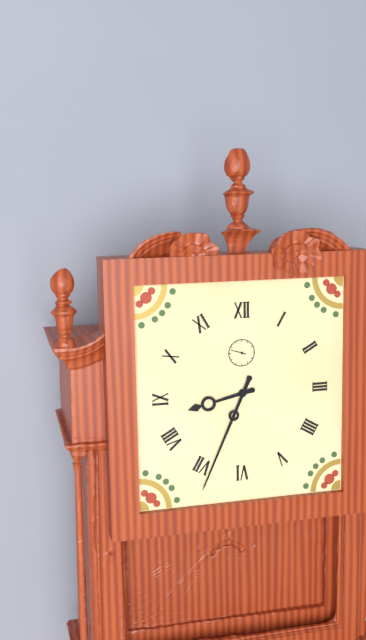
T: 8 h 34 min
